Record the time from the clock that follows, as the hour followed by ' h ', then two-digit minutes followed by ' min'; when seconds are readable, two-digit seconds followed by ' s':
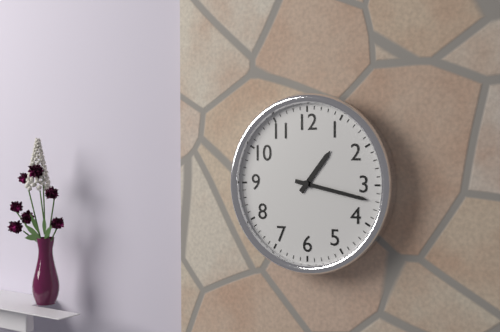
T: 1 h 17 min
